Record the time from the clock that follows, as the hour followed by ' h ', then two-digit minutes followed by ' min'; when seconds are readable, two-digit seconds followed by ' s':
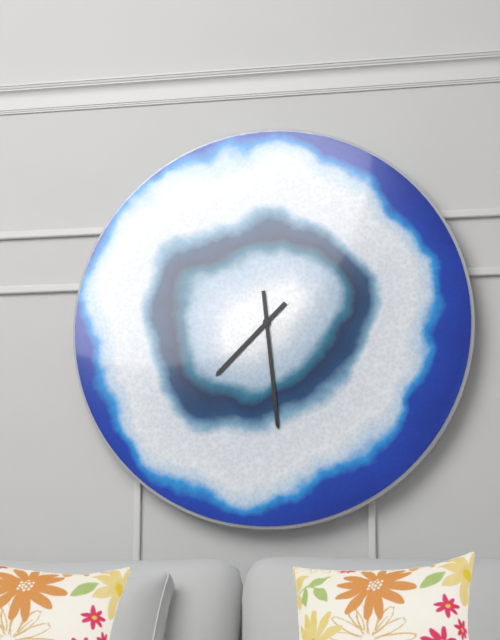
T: 7 h 29 min
